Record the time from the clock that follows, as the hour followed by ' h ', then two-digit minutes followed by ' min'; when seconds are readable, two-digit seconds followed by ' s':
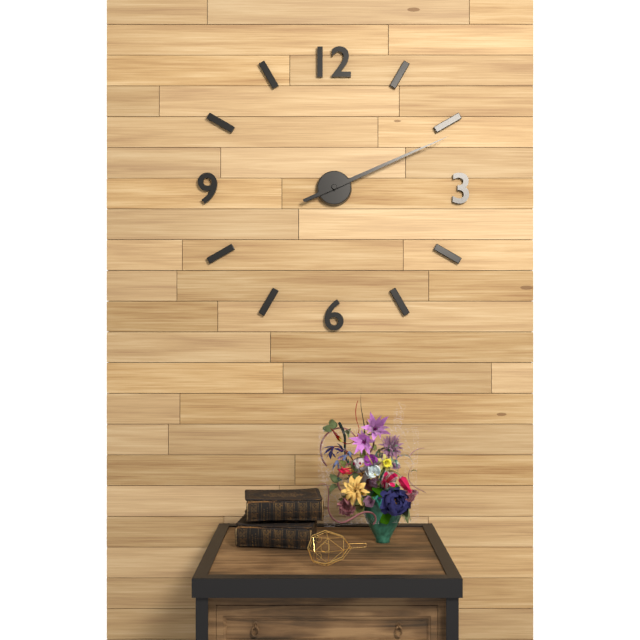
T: 2 h 11 min
